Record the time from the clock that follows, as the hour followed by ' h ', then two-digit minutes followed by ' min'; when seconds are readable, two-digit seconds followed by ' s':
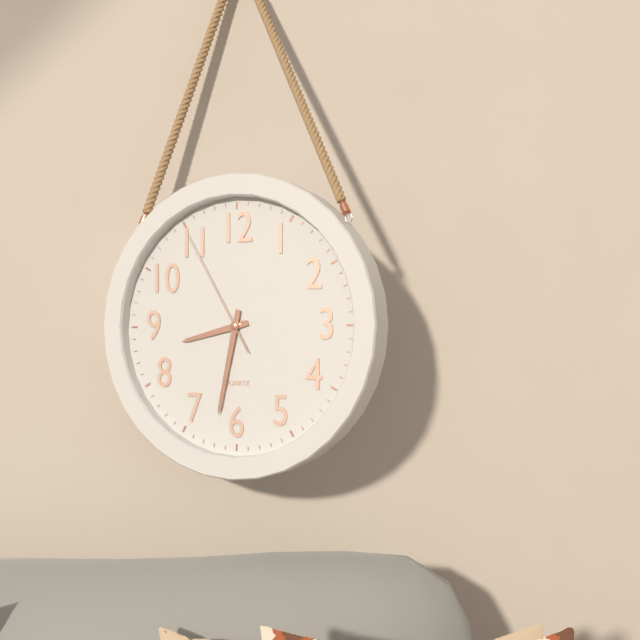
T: 8 h 32 min 55 s
